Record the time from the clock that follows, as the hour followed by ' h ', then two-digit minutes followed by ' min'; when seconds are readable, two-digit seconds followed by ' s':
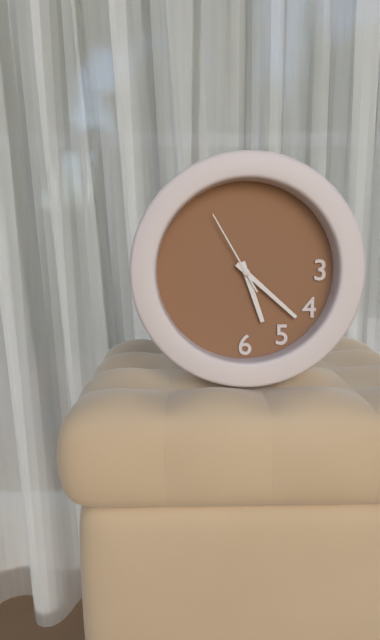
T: 5 h 22 min 55 s
